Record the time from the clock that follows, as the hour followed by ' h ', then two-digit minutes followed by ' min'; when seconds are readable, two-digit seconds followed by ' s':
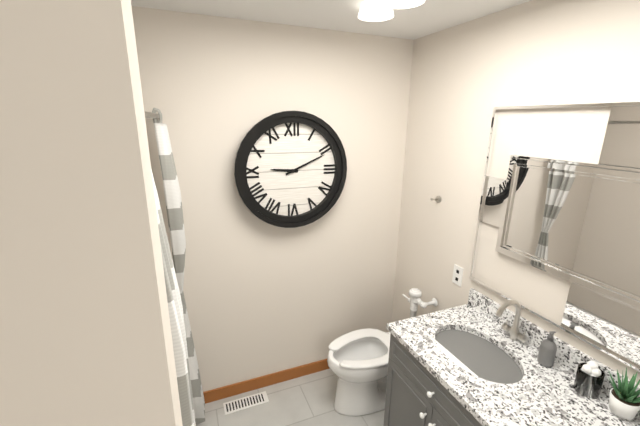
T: 9 h 11 min
